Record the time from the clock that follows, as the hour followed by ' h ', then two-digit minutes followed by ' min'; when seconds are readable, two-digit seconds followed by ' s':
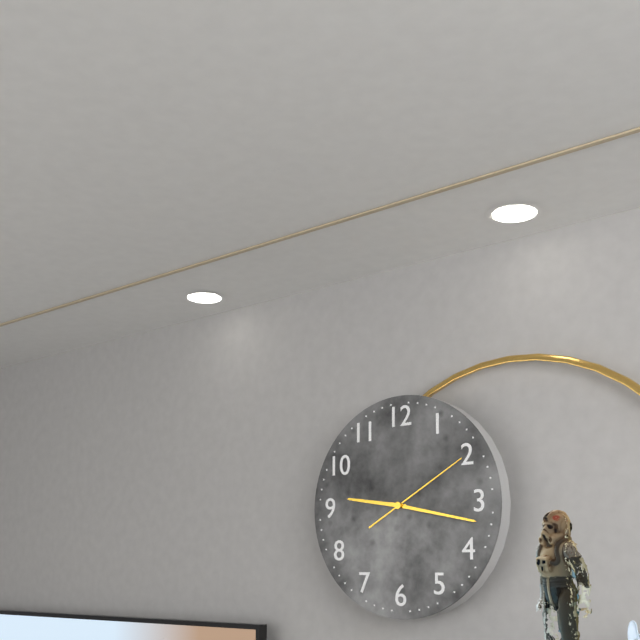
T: 9 h 17 min 10 s
